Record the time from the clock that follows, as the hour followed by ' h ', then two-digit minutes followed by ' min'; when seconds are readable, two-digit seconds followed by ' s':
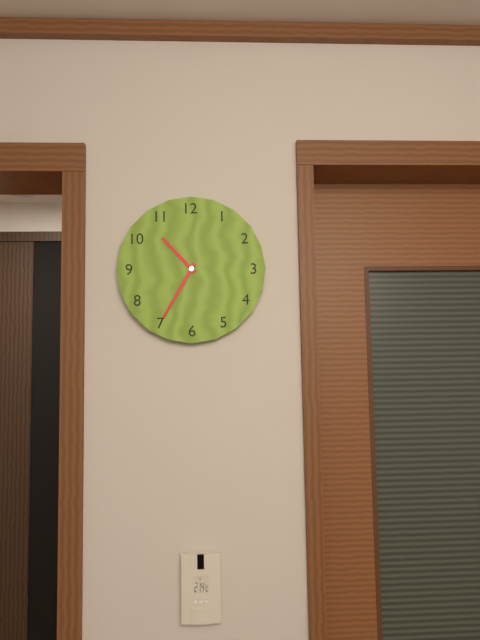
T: 10 h 35 min
